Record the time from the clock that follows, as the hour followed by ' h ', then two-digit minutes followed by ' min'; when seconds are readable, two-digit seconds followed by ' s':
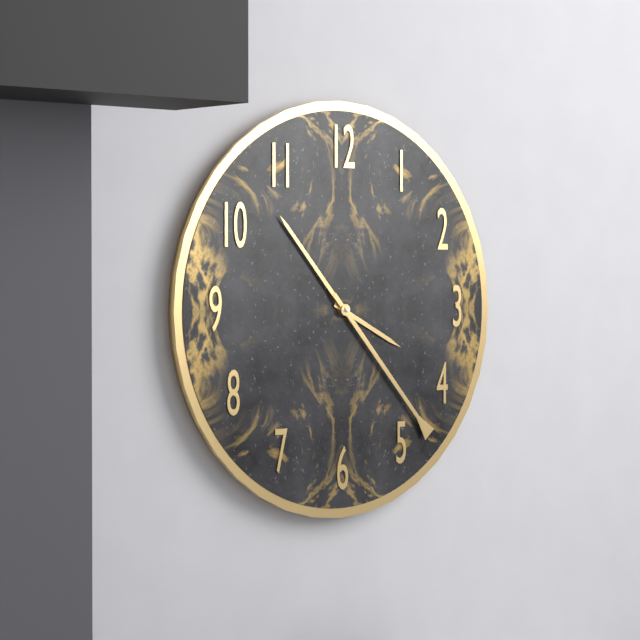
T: 3 h 53 min 23 s
